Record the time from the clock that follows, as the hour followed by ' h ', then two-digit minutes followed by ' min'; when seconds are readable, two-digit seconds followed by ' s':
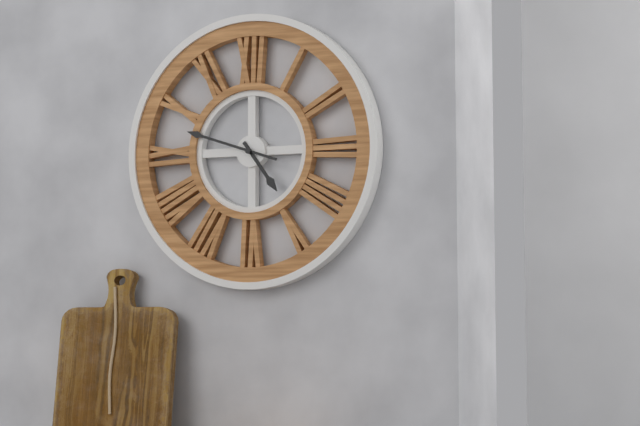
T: 4 h 48 min
